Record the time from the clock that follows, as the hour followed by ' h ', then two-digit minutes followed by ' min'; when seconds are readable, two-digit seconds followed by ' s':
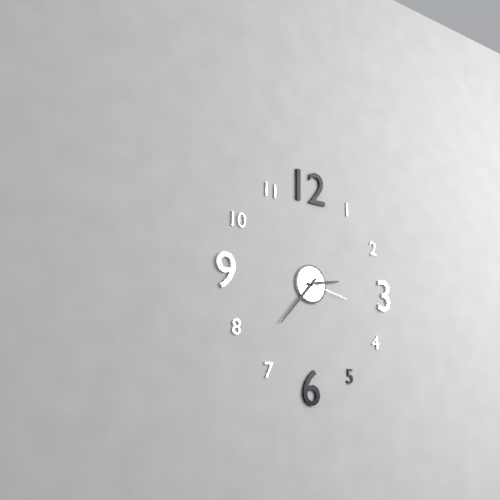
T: 2 h 37 min
